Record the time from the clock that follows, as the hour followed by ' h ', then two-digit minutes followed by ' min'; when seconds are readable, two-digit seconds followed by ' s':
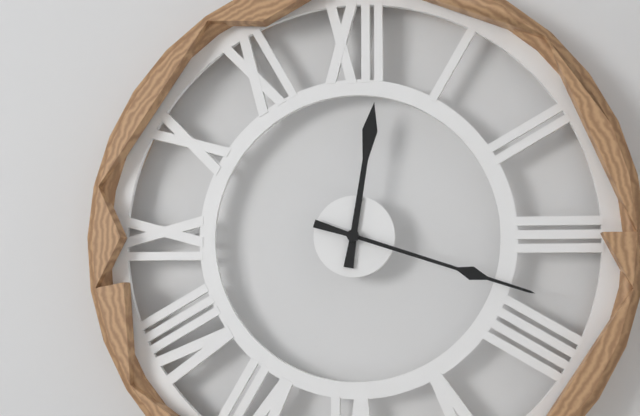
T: 12 h 18 min
